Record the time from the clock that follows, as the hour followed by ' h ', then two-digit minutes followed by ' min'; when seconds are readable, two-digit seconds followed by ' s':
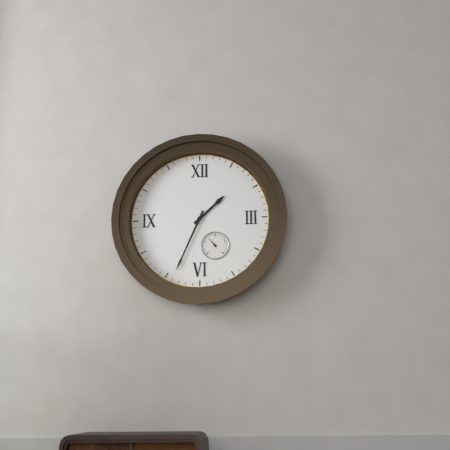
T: 1 h 34 min
